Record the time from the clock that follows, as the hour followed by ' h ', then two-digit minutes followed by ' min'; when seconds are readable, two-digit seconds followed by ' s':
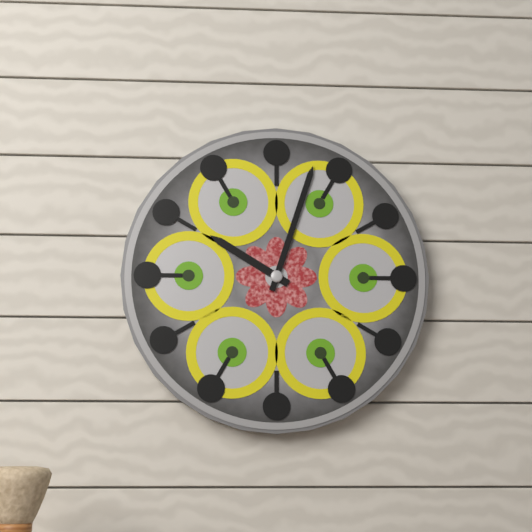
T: 10 h 03 min
